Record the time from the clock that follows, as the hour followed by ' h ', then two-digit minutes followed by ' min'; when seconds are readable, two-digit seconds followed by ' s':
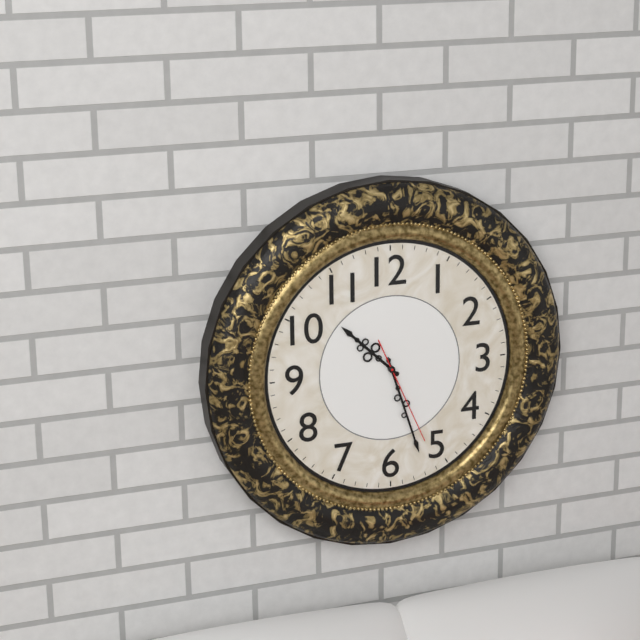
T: 10 h 27 min 26 s
